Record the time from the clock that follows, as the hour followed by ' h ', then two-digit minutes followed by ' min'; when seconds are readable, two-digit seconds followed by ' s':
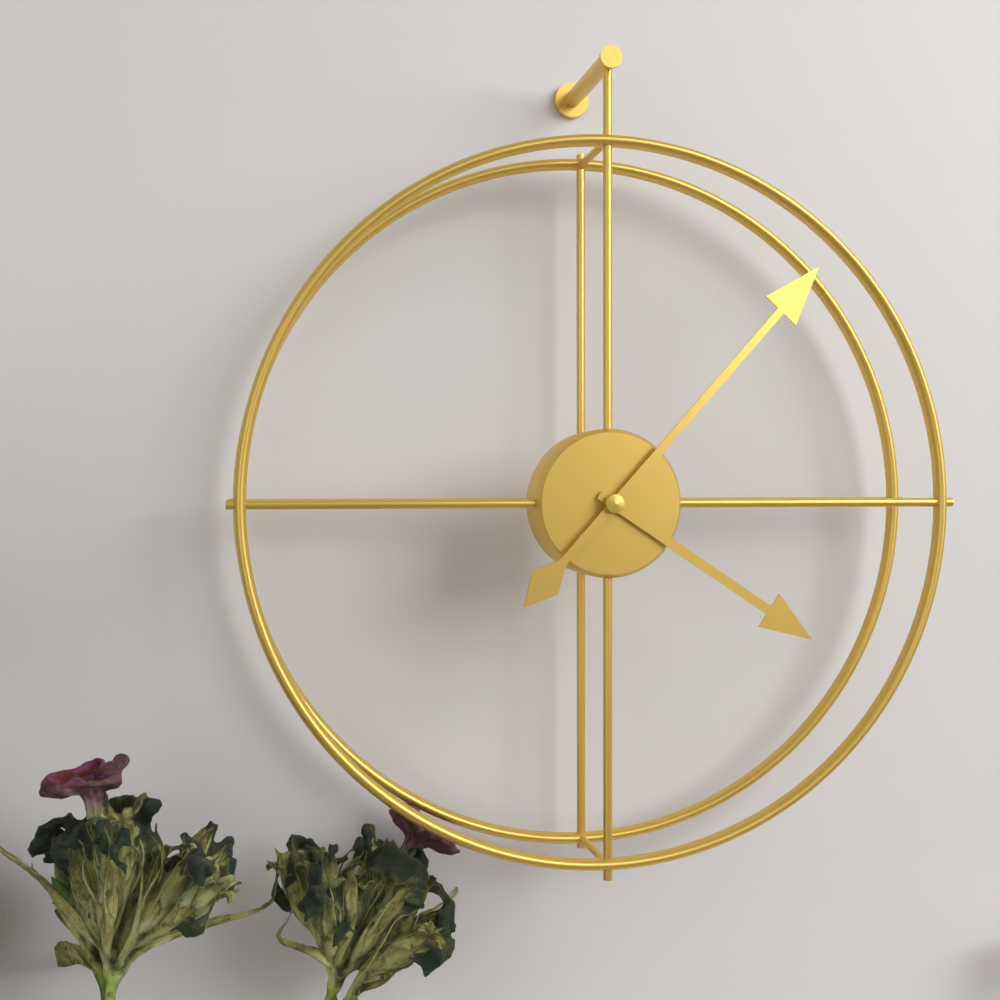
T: 4 h 07 min
